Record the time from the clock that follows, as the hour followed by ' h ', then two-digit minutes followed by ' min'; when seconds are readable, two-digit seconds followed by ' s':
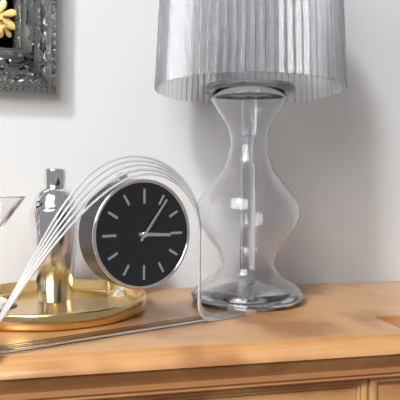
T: 3 h 06 min
